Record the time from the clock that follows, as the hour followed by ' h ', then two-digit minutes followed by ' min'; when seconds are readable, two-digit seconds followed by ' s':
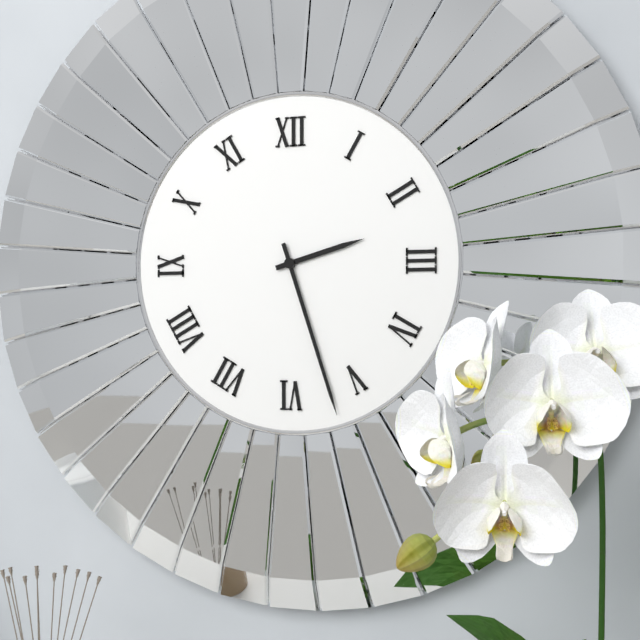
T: 2 h 27 min
